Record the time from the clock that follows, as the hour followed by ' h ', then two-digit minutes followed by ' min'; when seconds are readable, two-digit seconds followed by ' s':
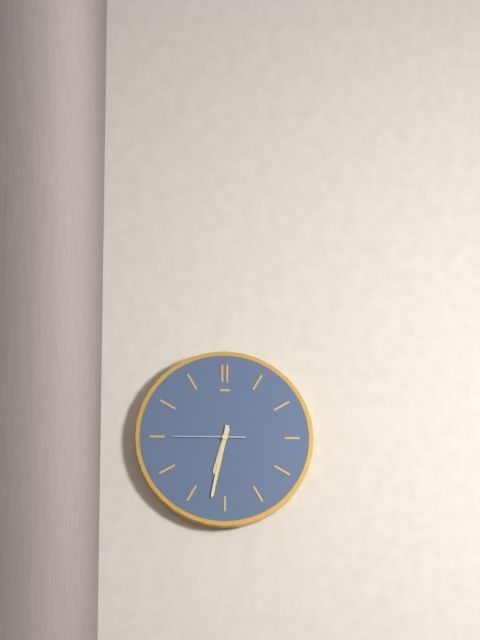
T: 6 h 32 min 45 s
